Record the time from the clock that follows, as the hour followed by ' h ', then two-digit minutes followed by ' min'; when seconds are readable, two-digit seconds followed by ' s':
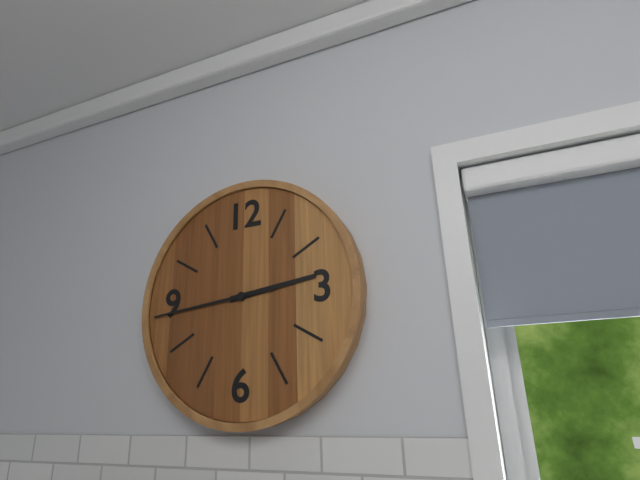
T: 2 h 44 min
